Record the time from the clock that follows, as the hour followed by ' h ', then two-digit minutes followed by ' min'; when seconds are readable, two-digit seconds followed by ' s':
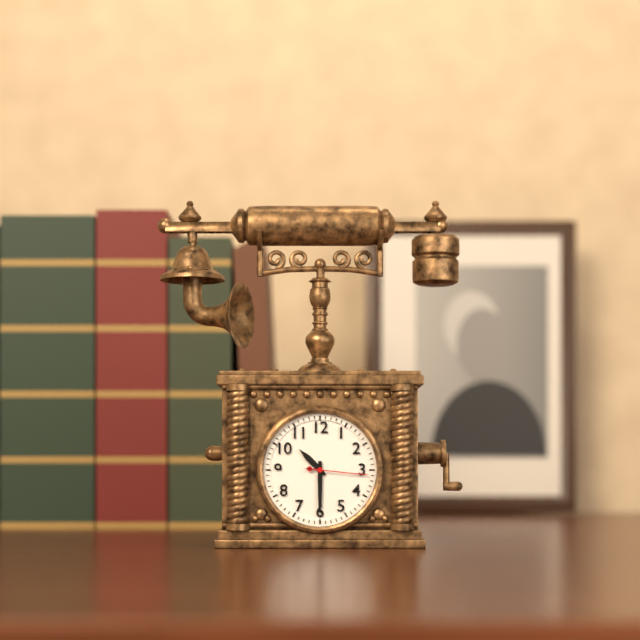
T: 10 h 30 min 16 s
